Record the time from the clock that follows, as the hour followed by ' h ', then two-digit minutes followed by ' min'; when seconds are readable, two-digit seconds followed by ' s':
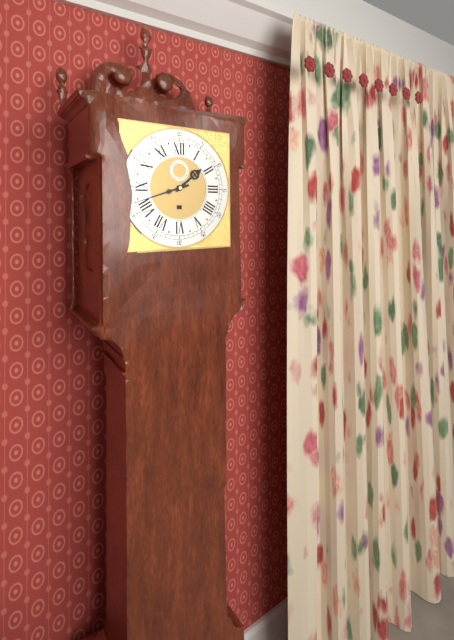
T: 1 h 42 min
